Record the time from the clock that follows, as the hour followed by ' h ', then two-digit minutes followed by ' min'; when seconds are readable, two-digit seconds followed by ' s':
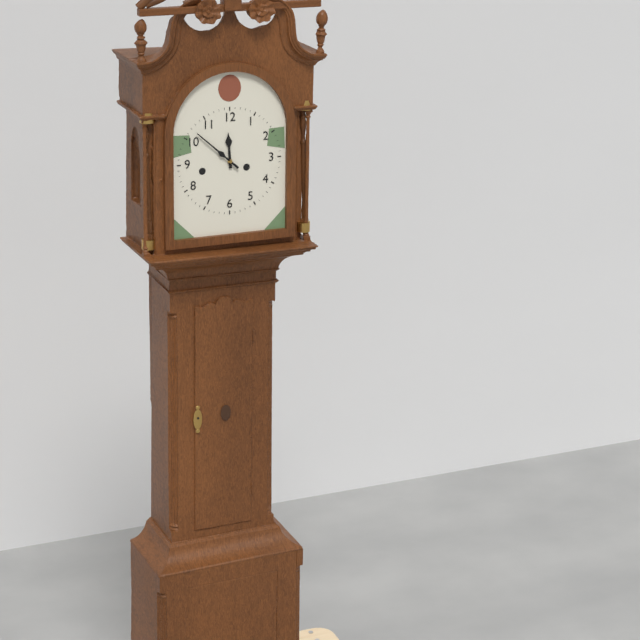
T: 11 h 52 min
